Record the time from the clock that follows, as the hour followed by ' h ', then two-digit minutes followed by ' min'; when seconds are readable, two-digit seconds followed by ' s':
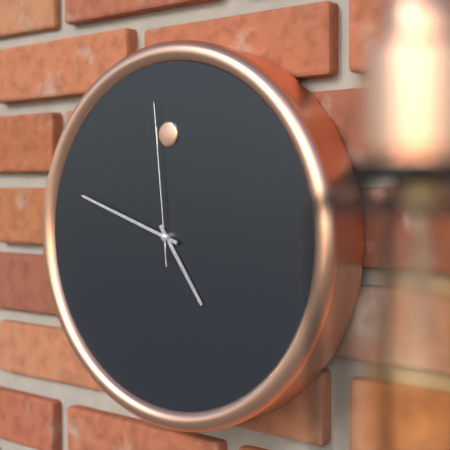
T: 4 h 48 min 59 s
